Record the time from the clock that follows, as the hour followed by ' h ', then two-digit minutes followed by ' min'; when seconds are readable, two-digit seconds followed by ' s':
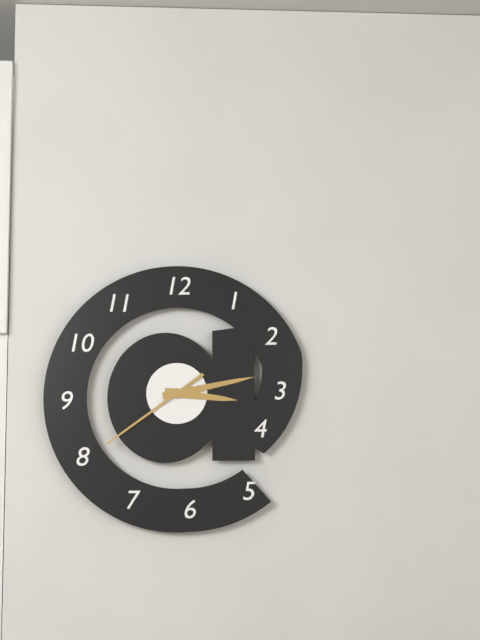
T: 3 h 13 min 39 s
